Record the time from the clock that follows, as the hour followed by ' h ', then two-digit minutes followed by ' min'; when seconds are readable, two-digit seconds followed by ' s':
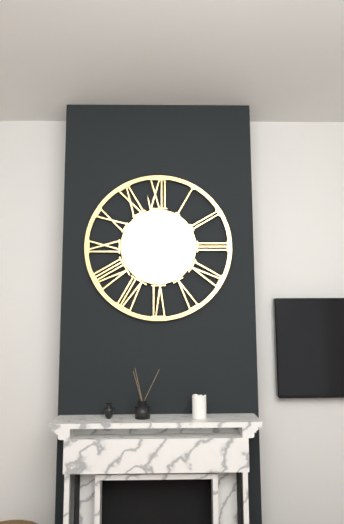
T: 12 h 58 min
